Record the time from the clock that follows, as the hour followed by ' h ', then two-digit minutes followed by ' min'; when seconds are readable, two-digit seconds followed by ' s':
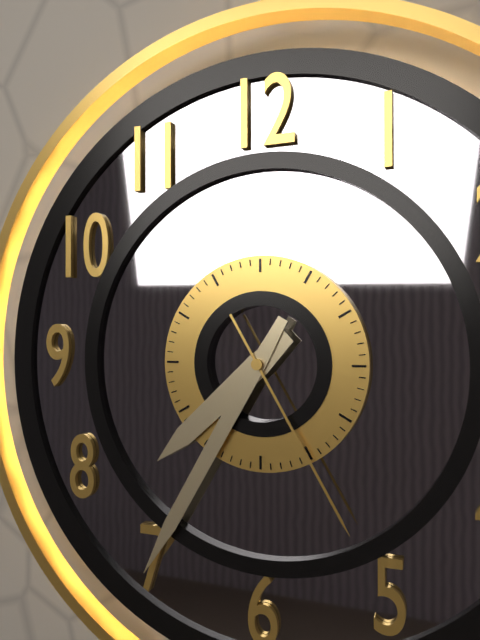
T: 7 h 35 min 25 s
